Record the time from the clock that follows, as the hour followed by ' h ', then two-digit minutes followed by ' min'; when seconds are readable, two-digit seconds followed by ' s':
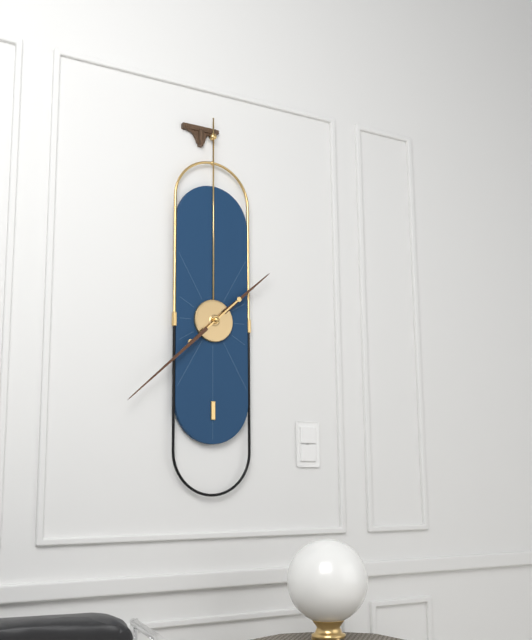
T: 1 h 38 min
